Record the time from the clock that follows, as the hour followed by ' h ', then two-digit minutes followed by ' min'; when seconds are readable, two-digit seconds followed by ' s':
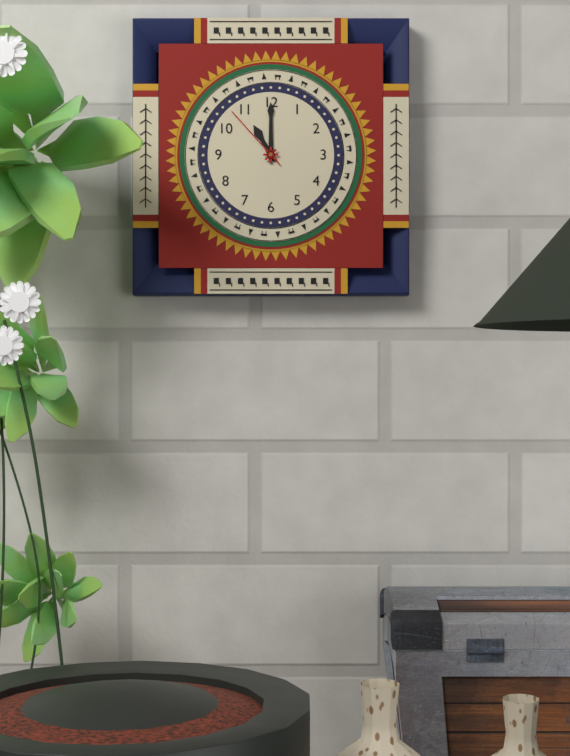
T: 11 h 00 min 53 s
